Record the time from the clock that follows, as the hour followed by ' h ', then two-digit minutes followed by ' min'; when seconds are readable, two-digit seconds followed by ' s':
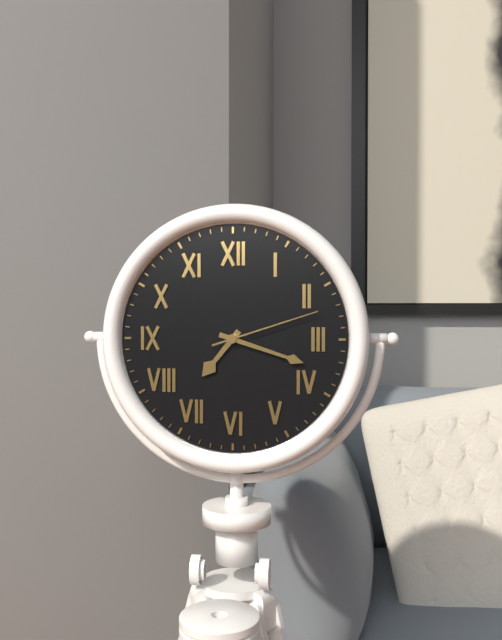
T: 7 h 18 min 12 s
